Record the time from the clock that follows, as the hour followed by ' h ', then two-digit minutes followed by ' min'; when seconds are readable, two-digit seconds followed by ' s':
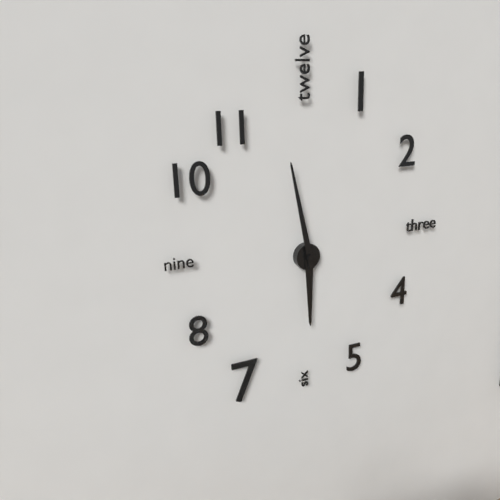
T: 5 h 58 min
